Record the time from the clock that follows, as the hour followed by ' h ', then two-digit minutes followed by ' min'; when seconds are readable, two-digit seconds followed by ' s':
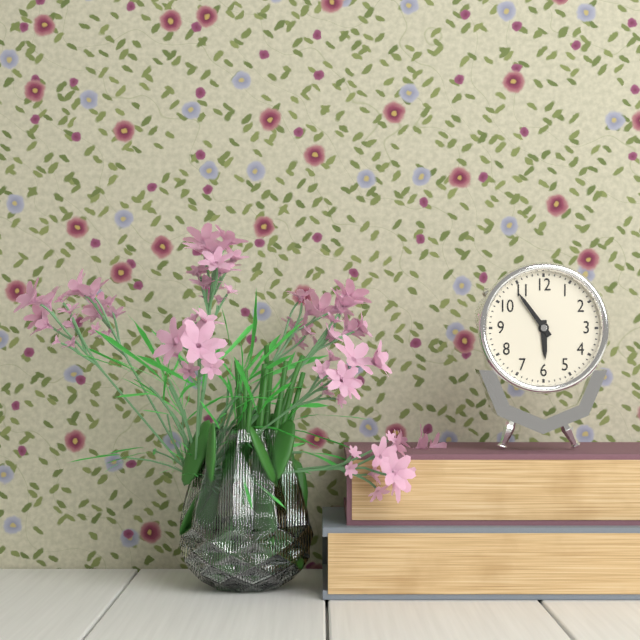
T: 5 h 54 min
